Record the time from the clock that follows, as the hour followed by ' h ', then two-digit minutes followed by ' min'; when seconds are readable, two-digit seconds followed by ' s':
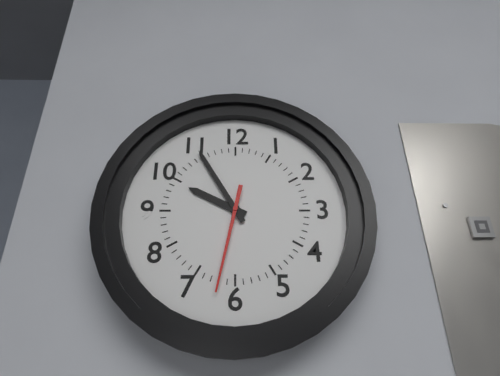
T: 9 h 55 min 32 s
